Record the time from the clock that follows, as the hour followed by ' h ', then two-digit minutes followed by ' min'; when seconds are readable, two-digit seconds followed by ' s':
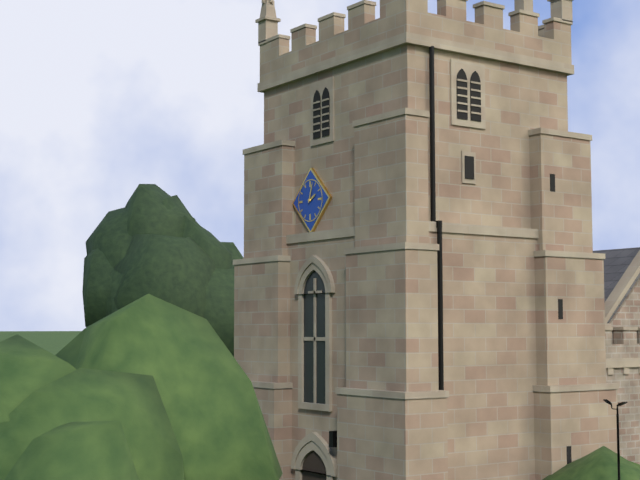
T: 2 h 03 min
